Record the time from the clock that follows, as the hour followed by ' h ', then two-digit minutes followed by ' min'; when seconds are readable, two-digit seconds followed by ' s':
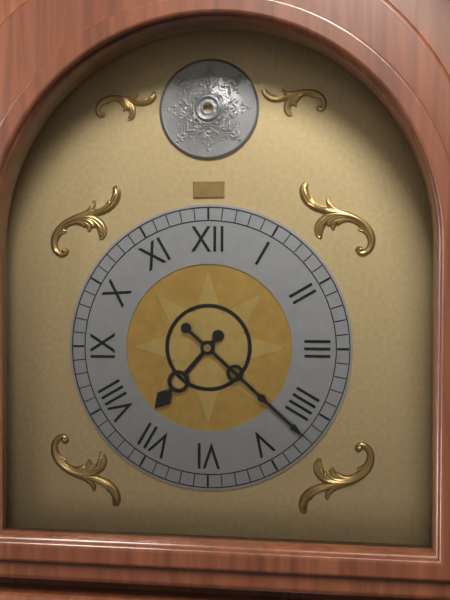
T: 7 h 22 min
